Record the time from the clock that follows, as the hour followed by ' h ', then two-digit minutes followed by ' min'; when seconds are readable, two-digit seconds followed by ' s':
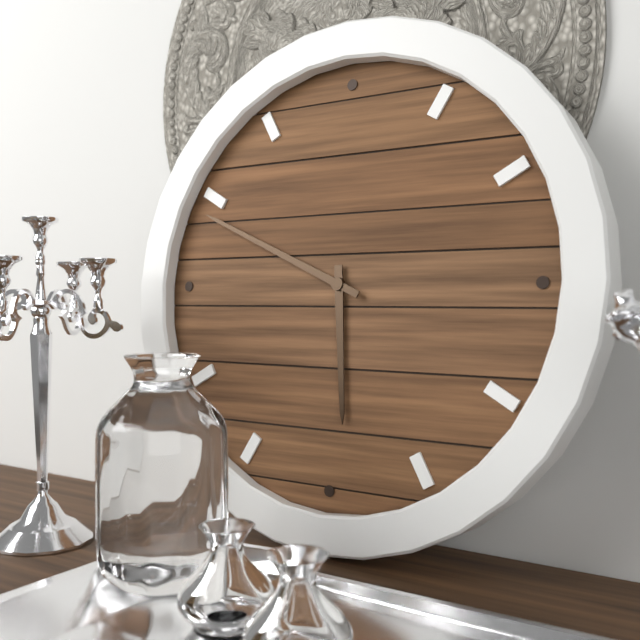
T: 5 h 49 min
